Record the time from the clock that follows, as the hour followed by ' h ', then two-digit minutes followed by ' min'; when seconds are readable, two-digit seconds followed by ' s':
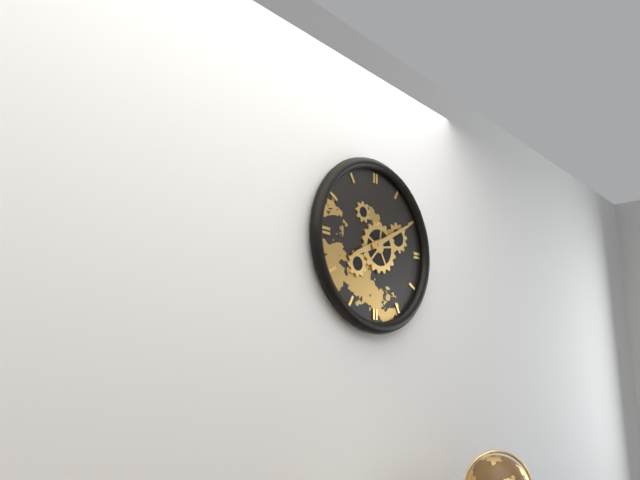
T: 8 h 10 min
